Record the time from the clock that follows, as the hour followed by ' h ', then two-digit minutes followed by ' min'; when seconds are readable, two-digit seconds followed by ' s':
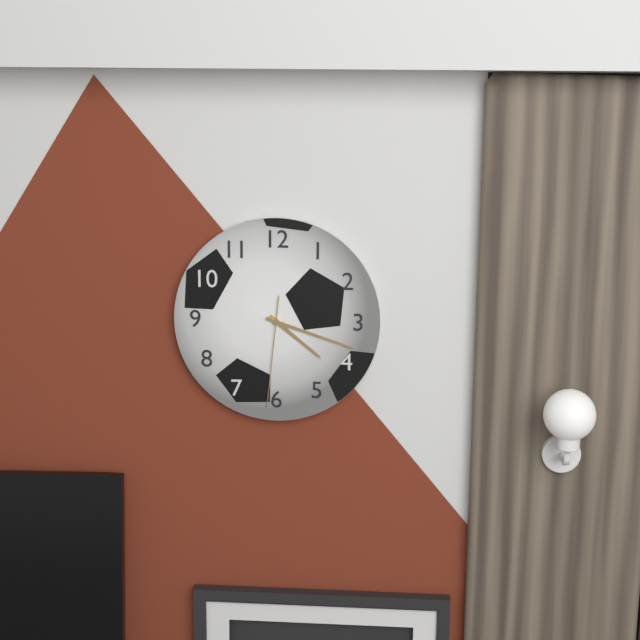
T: 4 h 18 min 31 s
